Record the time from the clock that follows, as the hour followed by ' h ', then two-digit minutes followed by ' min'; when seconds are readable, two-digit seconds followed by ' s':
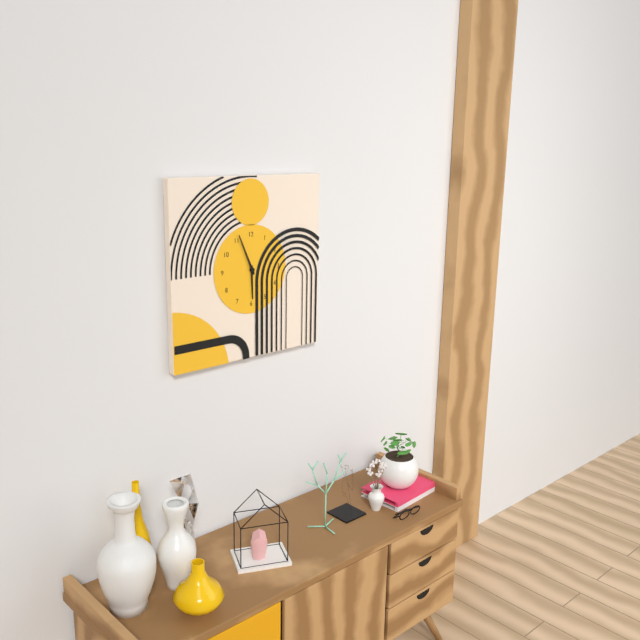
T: 5 h 56 min
